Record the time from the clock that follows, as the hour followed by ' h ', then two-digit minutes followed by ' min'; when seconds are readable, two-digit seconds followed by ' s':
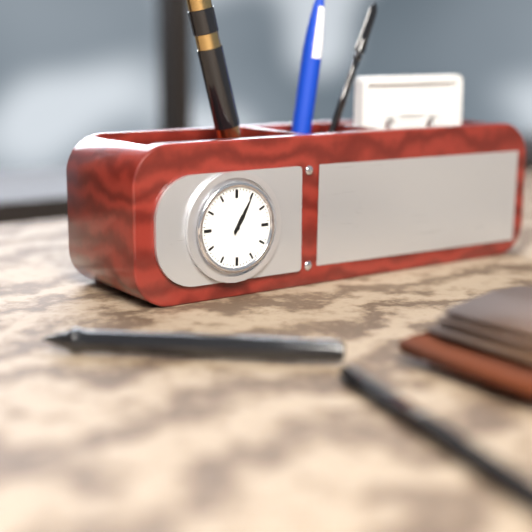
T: 1 h 05 min
